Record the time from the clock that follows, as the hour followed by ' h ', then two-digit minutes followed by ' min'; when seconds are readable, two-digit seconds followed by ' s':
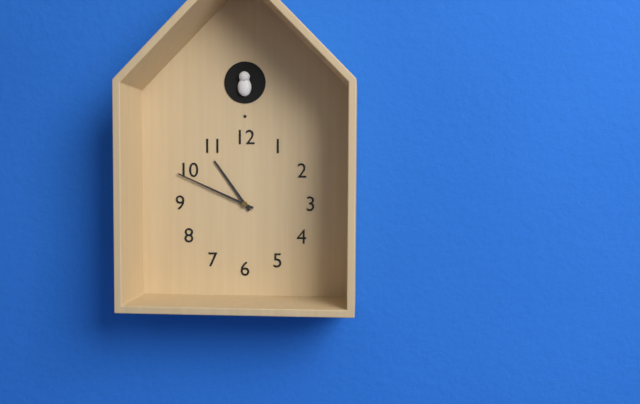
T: 10 h 49 min
